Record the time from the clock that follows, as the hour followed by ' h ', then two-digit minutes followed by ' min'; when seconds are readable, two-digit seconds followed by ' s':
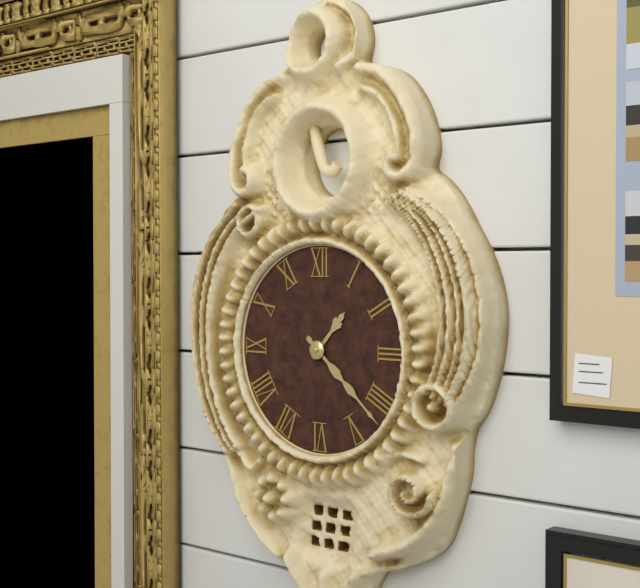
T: 1 h 22 min
